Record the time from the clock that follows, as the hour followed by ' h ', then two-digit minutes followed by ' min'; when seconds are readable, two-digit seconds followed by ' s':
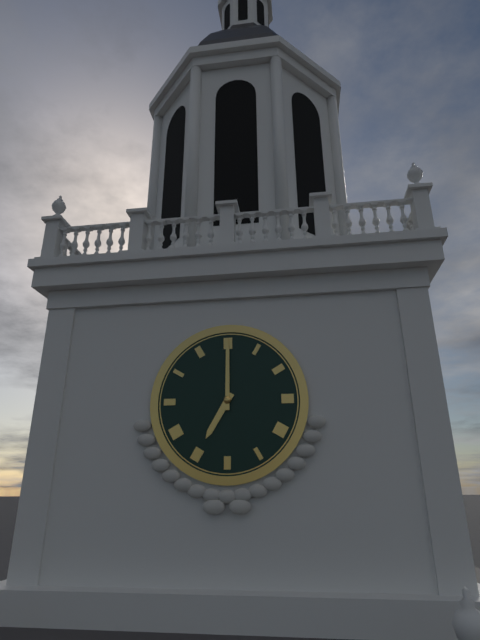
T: 7 h 00 min
